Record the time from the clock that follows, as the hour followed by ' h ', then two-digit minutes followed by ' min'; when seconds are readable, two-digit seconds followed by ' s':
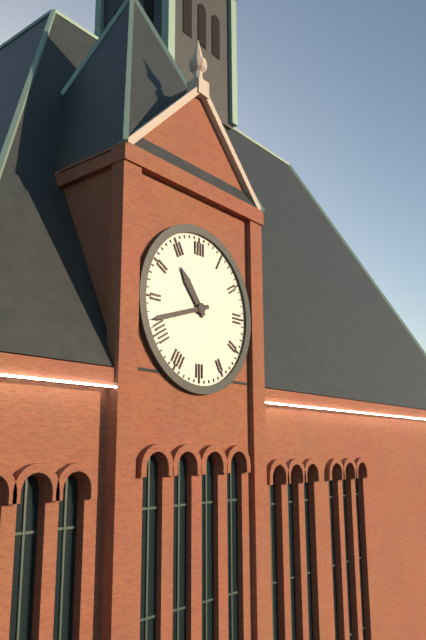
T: 10 h 42 min
